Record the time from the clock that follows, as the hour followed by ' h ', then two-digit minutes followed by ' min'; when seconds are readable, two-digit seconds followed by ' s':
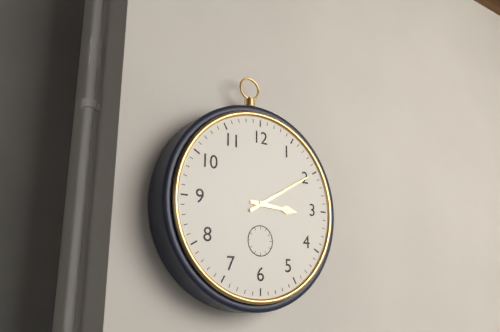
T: 3 h 10 min
